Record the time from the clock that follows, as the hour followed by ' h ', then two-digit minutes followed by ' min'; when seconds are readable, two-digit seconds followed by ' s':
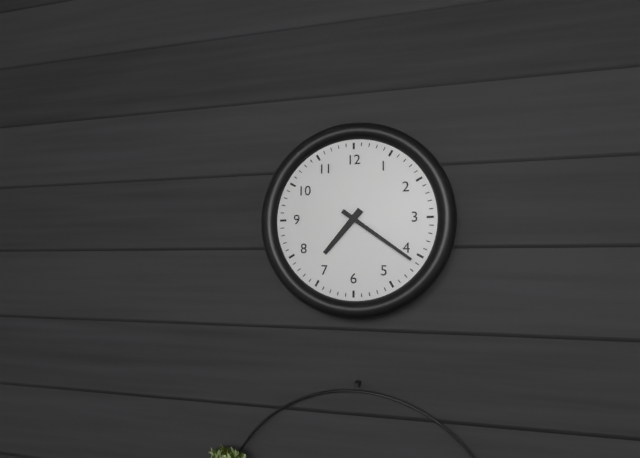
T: 7 h 21 min
